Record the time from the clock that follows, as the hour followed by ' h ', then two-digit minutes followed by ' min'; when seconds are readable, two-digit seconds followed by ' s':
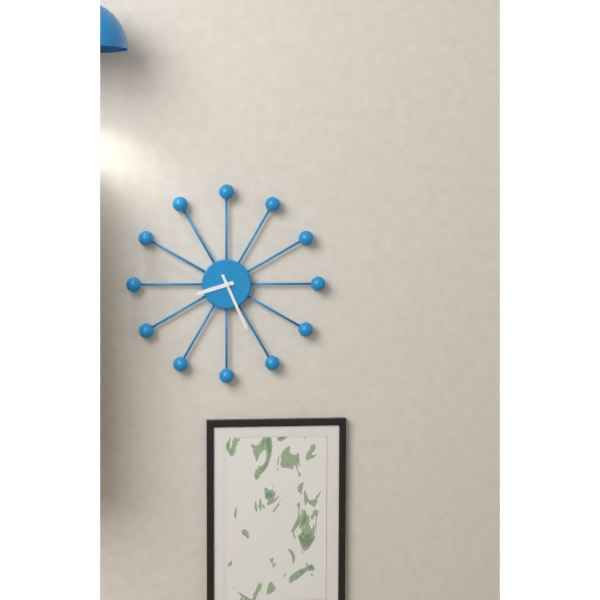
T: 8 h 26 min
